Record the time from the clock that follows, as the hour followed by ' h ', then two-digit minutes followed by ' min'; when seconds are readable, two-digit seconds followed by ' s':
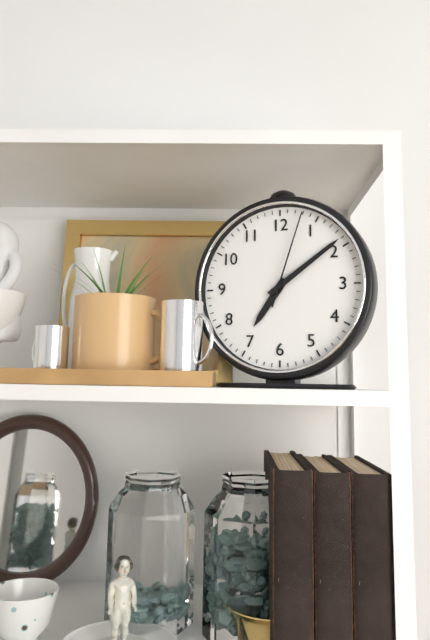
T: 7 h 09 min 03 s
